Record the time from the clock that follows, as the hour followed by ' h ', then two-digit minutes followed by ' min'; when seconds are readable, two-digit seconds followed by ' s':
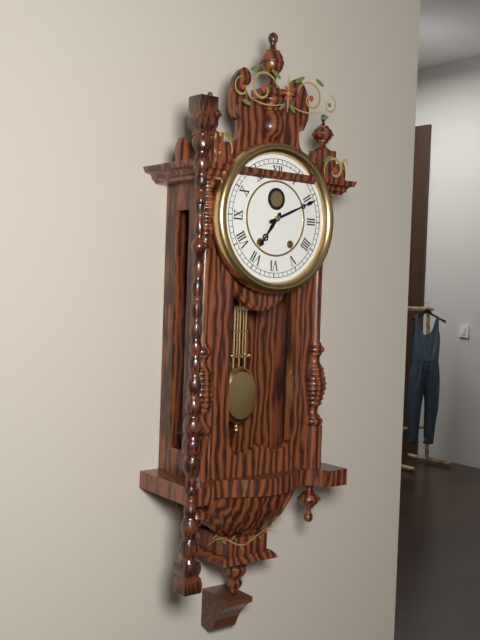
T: 7 h 11 min
